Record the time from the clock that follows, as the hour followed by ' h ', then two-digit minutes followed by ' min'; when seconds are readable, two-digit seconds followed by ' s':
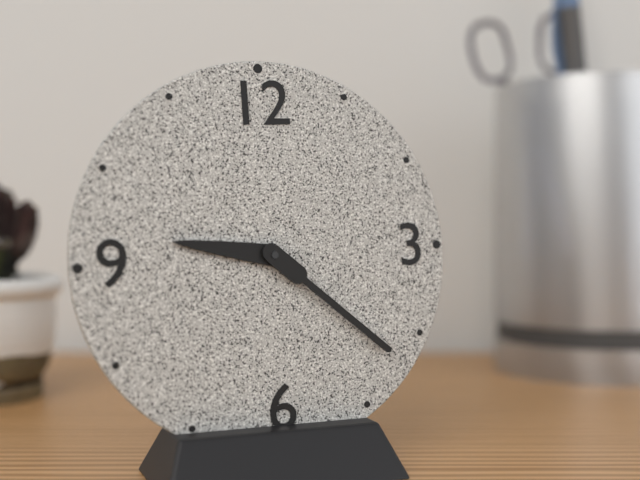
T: 9 h 22 min
